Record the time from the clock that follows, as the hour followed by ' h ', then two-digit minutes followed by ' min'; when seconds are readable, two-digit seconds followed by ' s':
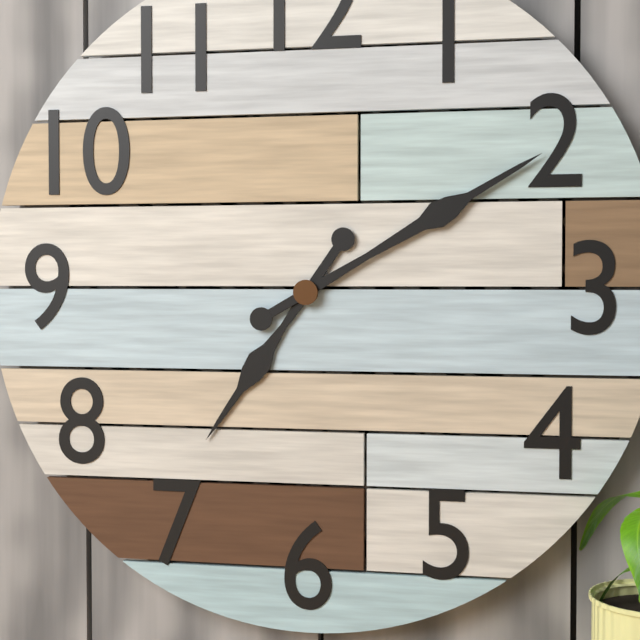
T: 7 h 10 min
